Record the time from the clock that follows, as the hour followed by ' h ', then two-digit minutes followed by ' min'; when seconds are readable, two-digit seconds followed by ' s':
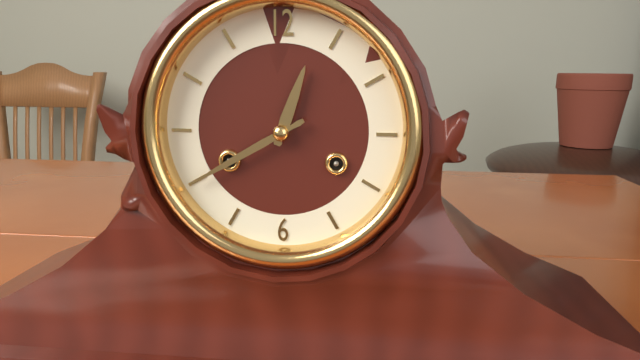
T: 12 h 40 min
